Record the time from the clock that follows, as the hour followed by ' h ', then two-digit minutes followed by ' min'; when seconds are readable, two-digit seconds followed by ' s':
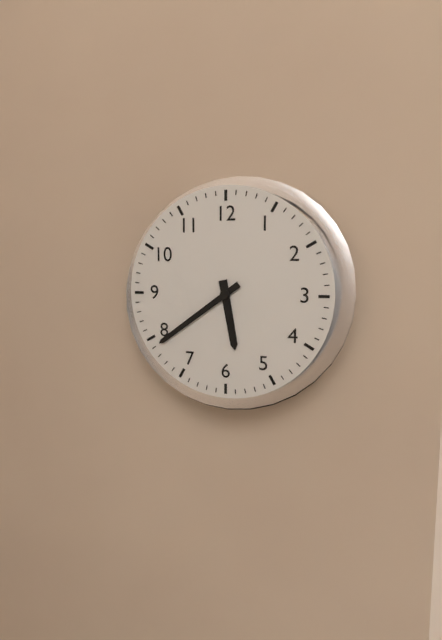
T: 5 h 39 min
